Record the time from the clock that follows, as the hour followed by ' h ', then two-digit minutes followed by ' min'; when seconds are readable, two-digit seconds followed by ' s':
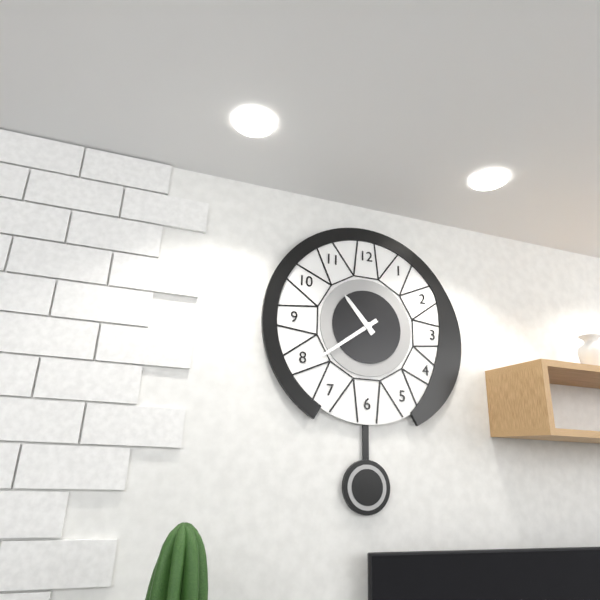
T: 10 h 39 min
